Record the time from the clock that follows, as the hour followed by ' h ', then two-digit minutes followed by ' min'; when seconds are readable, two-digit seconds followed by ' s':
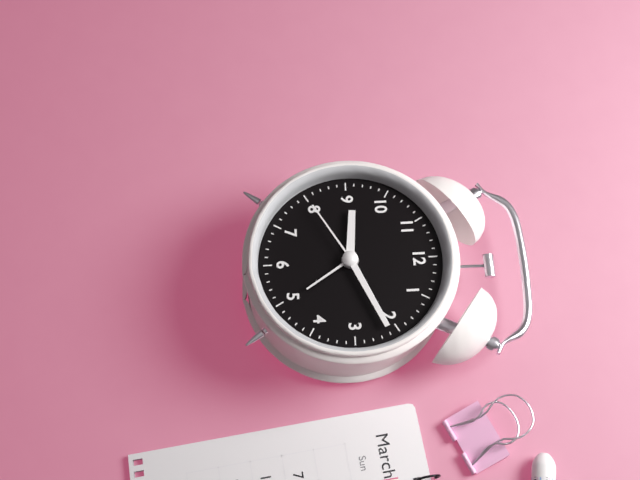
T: 9 h 11 min 40 s
